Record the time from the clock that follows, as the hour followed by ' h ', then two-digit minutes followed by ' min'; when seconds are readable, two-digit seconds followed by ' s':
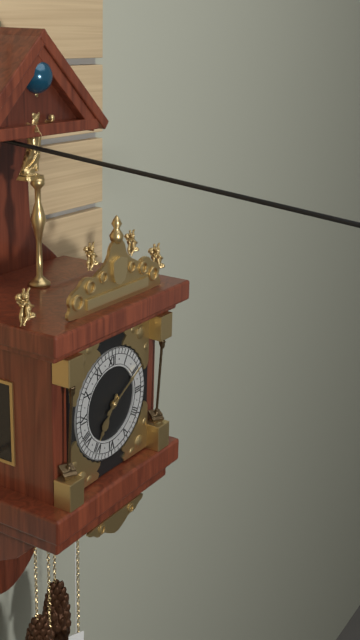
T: 7 h 10 min
